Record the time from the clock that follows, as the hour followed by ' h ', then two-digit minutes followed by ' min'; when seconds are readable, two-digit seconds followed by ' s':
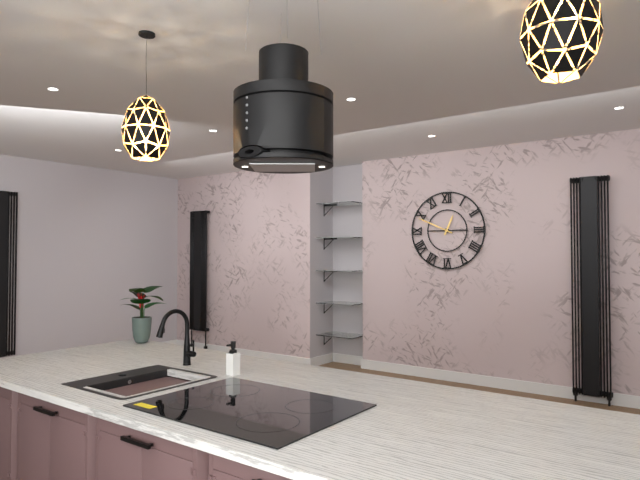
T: 12 h 49 min
